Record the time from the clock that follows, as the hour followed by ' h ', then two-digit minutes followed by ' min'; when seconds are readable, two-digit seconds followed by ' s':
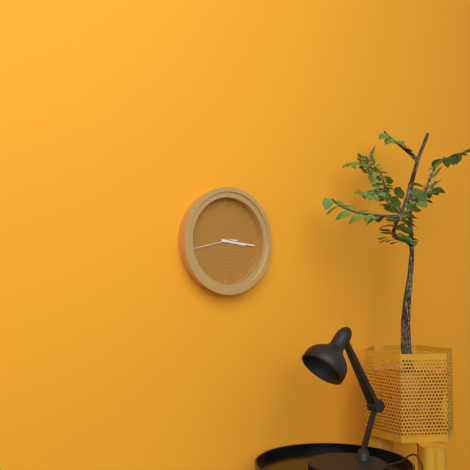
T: 3 h 16 min
